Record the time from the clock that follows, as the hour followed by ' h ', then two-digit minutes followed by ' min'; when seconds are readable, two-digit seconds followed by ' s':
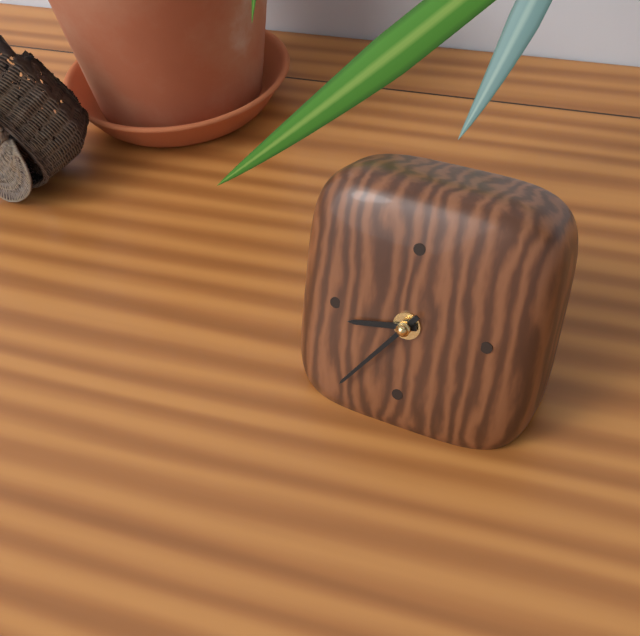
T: 8 h 36 min
